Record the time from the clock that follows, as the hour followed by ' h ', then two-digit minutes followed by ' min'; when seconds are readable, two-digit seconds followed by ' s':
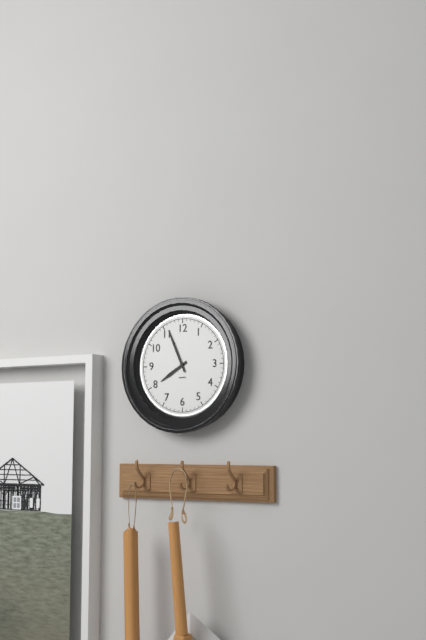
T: 7 h 56 min
